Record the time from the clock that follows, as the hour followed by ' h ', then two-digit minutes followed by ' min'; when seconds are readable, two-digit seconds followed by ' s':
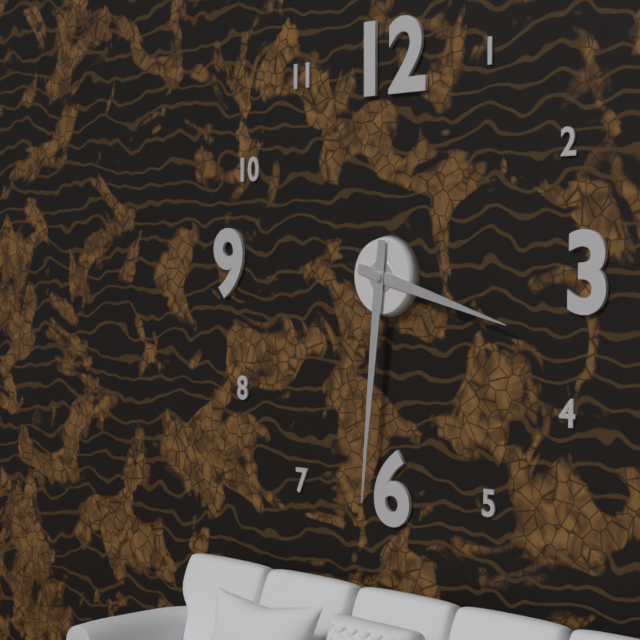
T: 3 h 31 min
